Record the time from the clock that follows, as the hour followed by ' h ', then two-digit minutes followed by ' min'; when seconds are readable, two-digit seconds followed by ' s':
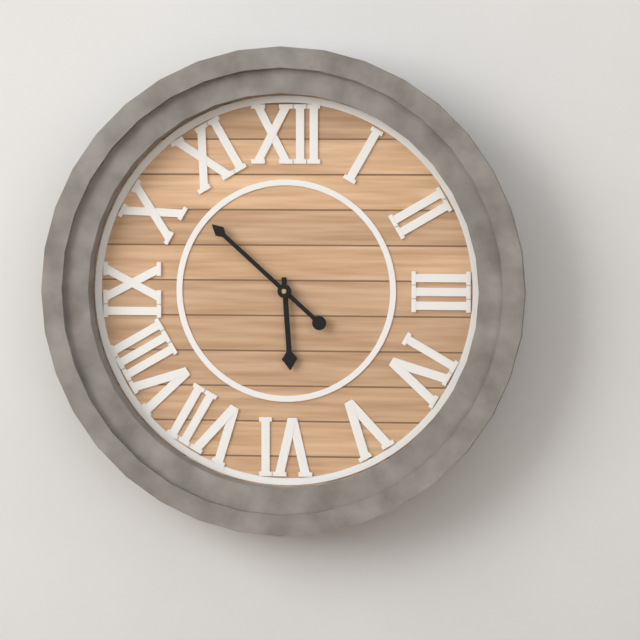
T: 5 h 52 min
